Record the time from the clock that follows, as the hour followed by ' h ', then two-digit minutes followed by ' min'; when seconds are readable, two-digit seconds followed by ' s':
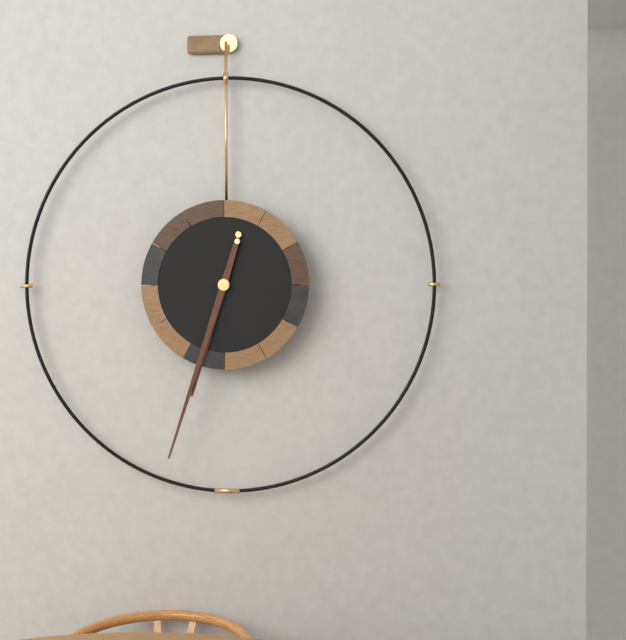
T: 6 h 33 min
